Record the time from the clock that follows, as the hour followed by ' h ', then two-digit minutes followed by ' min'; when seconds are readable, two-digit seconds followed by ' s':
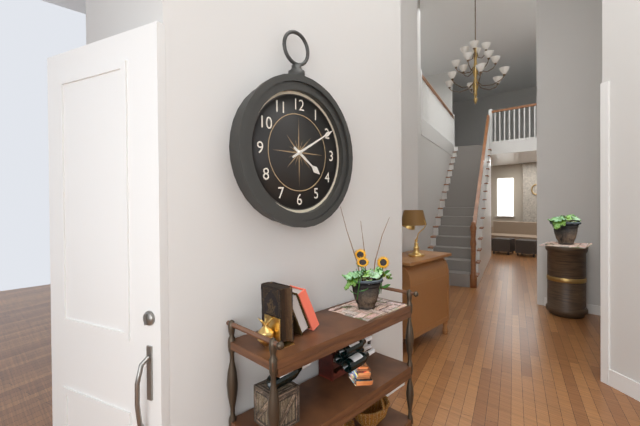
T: 4 h 10 min
